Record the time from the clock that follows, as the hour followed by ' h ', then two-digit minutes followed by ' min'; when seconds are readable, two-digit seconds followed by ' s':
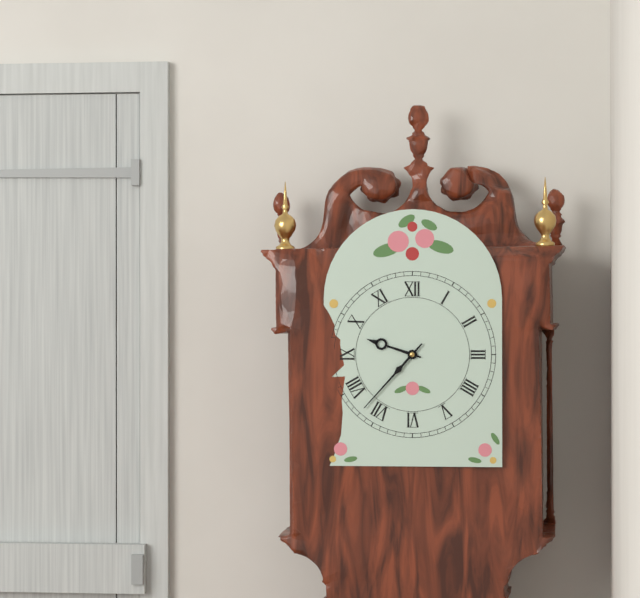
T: 9 h 37 min
